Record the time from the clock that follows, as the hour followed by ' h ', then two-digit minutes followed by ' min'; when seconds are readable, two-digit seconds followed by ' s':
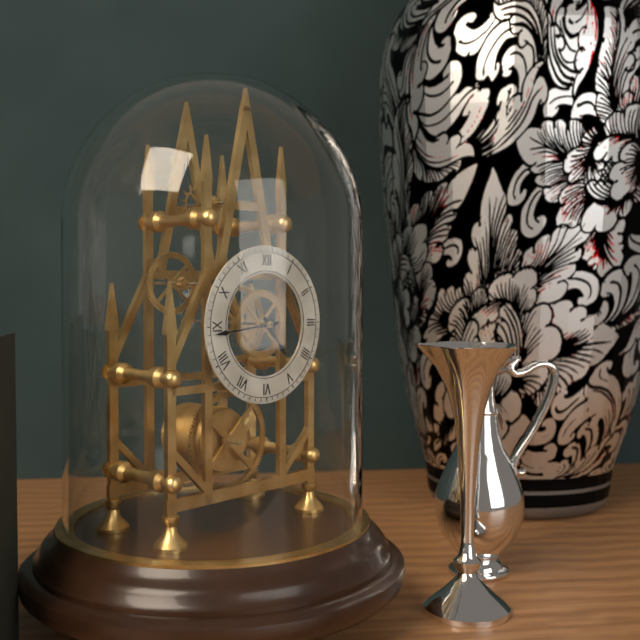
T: 4 h 44 min
